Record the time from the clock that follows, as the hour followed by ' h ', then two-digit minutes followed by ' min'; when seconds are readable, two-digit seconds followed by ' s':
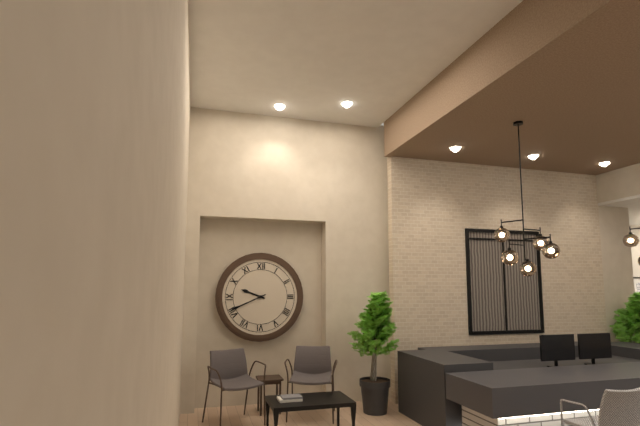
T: 9 h 41 min
